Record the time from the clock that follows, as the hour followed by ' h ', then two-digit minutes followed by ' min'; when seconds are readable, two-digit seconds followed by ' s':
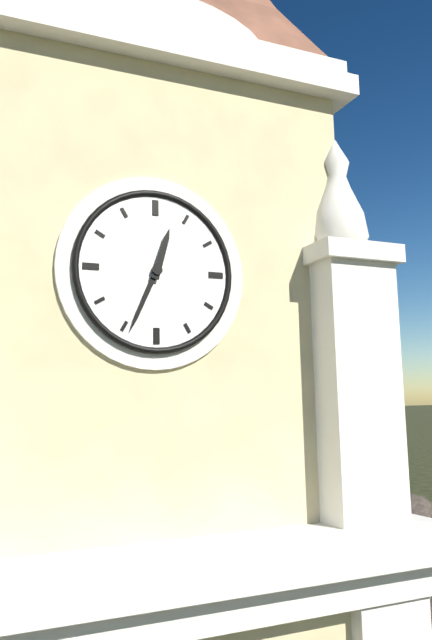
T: 12 h 34 min
